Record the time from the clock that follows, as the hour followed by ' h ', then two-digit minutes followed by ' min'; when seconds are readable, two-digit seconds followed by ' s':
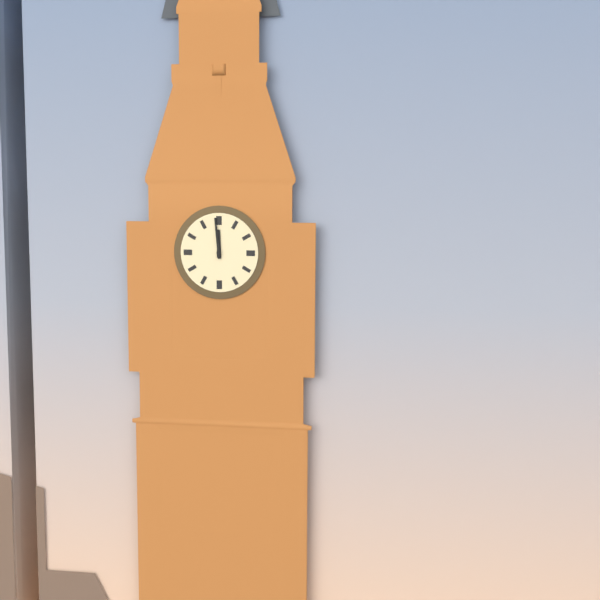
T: 11 h 59 min
